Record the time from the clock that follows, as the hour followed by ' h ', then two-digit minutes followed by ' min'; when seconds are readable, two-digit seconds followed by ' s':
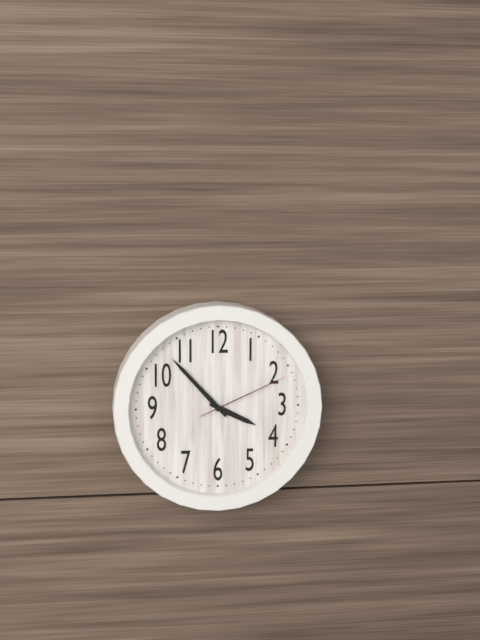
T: 3 h 53 min 11 s
